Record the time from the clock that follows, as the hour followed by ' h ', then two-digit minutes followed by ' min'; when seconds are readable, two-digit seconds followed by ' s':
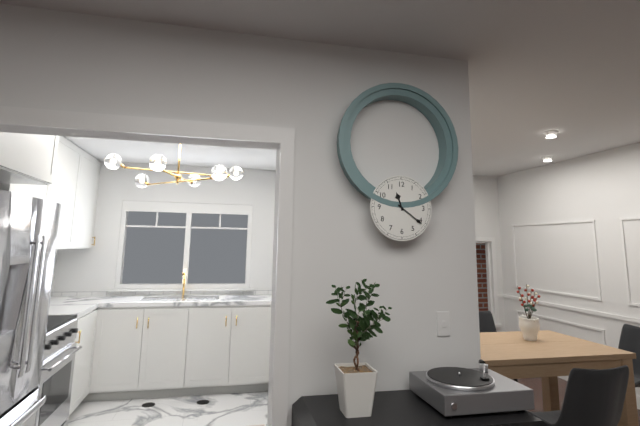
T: 11 h 21 min
